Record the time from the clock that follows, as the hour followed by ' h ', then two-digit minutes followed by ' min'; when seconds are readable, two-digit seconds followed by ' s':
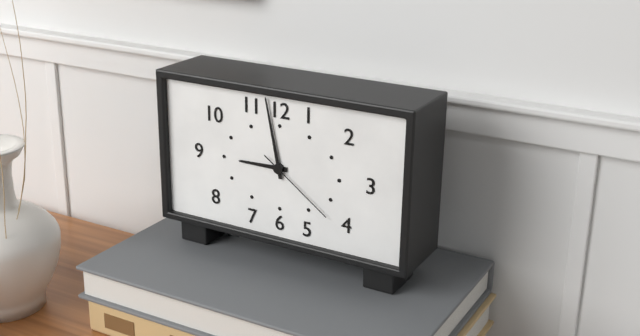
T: 8 h 58 min 21 s
